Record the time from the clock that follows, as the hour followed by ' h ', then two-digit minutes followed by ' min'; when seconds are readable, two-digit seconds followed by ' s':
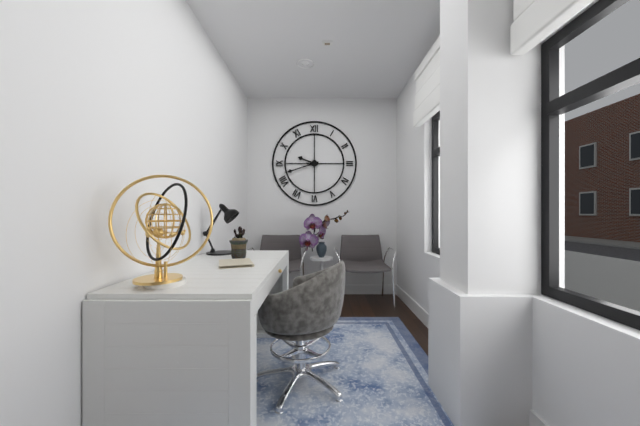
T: 9 h 42 min
